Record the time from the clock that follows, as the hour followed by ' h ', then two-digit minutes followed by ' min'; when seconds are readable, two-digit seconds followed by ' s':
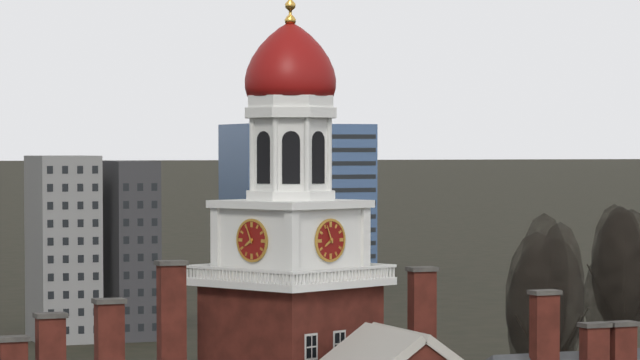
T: 7 h 56 min
